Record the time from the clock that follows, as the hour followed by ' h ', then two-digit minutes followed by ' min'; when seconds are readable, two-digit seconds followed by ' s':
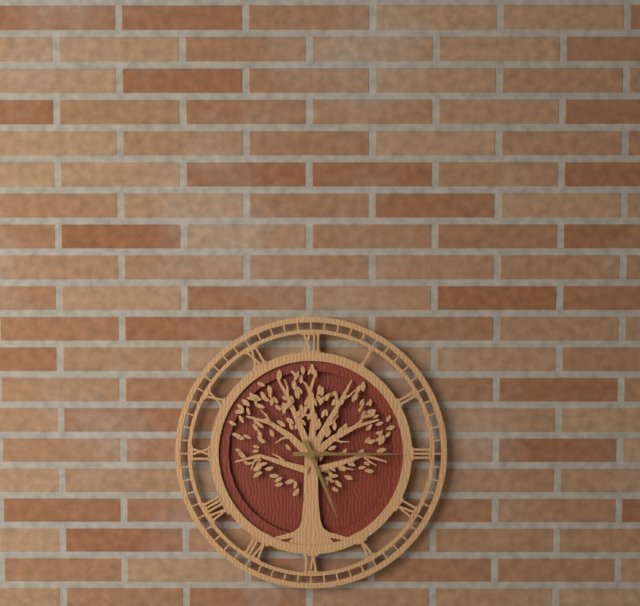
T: 5 h 15 min
